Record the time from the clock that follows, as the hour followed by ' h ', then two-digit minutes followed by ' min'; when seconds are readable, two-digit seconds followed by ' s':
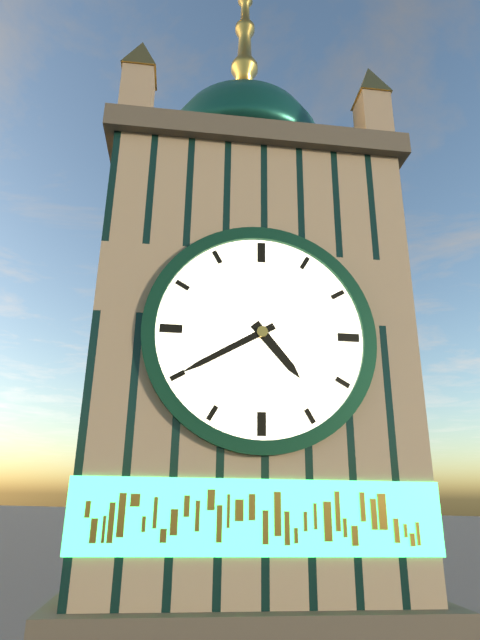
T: 4 h 40 min
